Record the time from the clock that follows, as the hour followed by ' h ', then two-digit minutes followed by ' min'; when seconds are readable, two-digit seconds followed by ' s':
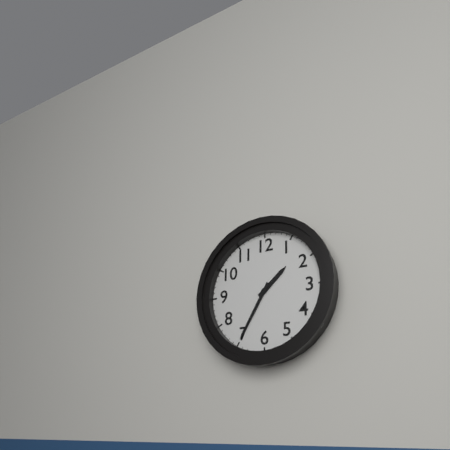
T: 1 h 35 min
